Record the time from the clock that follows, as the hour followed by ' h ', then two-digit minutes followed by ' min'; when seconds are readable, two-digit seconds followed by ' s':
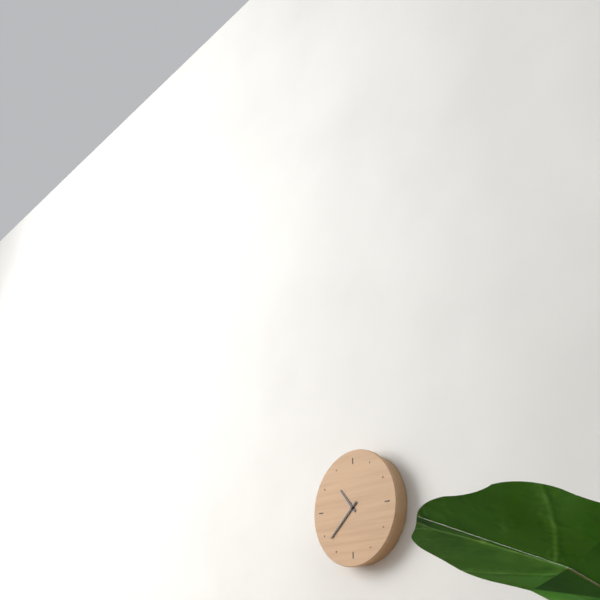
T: 10 h 38 min
